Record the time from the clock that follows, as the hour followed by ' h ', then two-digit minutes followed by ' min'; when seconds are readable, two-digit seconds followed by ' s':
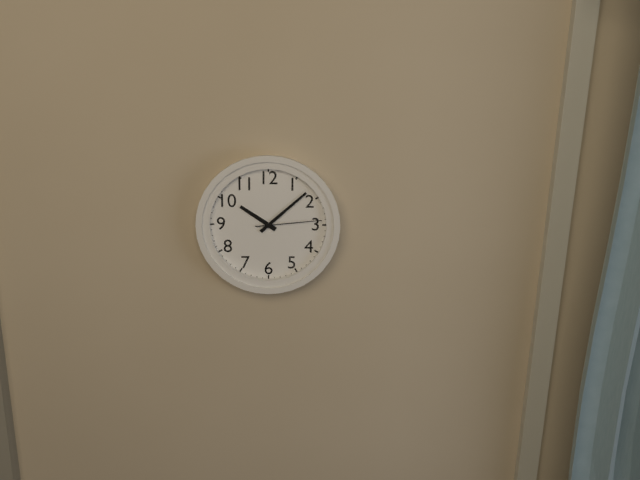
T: 10 h 08 min 14 s
